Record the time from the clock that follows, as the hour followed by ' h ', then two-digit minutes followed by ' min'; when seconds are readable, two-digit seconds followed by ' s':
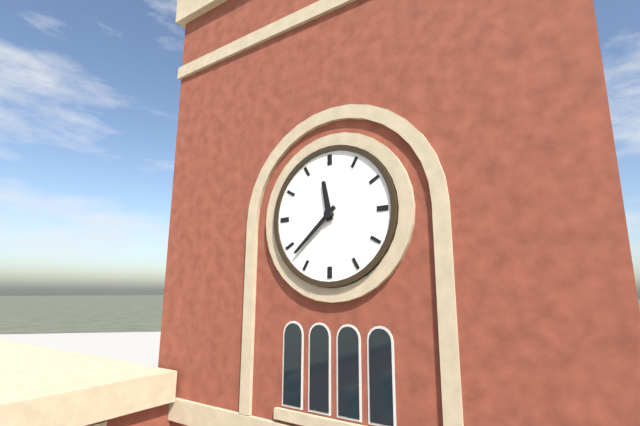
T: 11 h 38 min
